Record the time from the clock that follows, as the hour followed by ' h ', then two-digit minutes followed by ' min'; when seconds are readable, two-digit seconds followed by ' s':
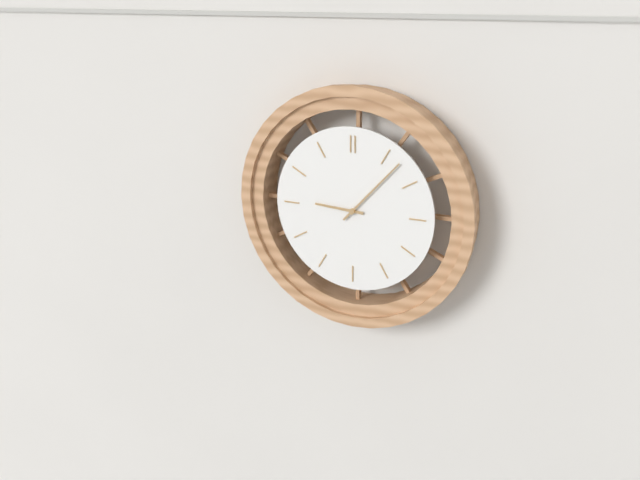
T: 9 h 07 min
